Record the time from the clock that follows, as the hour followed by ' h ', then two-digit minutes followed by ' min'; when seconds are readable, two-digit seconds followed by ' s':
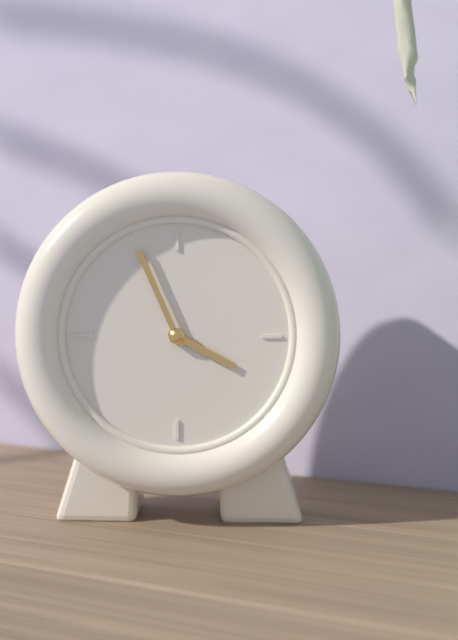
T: 3 h 56 min
